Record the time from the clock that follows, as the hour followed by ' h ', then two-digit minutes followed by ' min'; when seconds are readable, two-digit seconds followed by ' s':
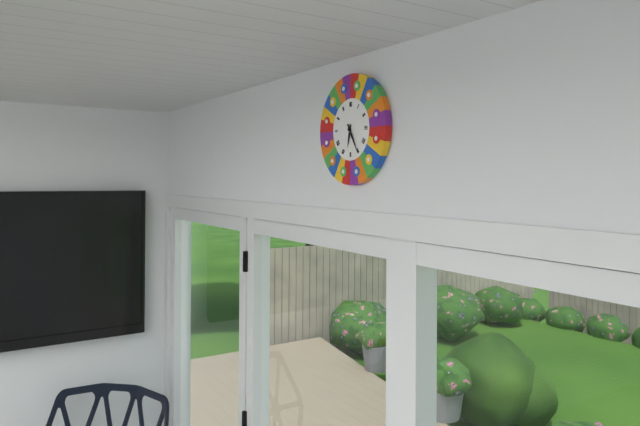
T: 6 h 25 min
